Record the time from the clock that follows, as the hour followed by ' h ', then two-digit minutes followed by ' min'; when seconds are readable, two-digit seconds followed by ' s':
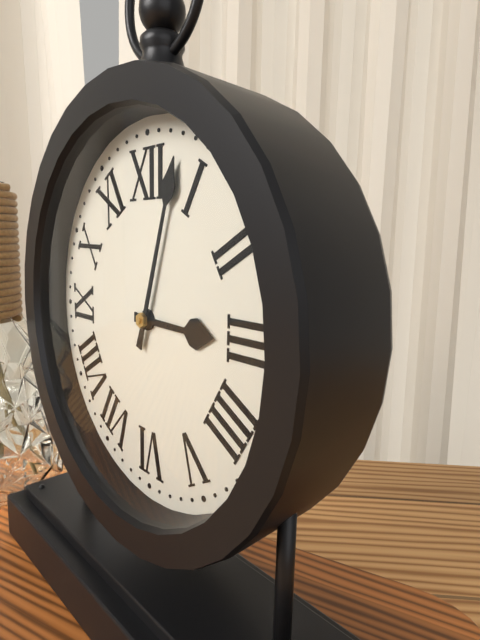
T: 3 h 03 min
